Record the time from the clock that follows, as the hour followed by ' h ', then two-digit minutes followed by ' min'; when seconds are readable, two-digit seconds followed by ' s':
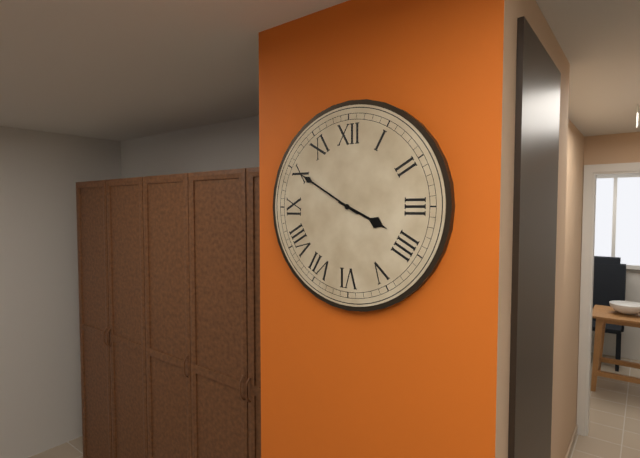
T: 3 h 50 min
